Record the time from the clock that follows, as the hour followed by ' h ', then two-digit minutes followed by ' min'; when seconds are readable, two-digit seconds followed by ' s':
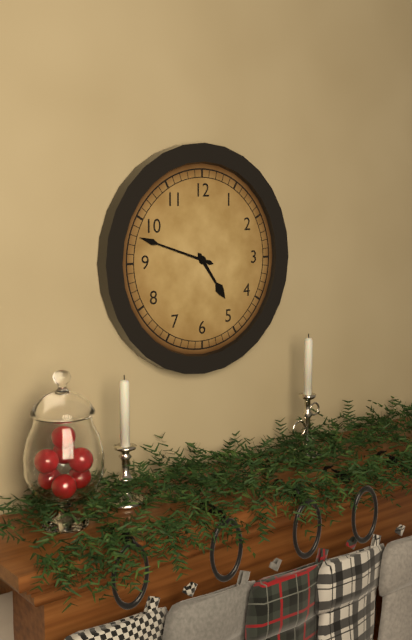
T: 4 h 48 min
